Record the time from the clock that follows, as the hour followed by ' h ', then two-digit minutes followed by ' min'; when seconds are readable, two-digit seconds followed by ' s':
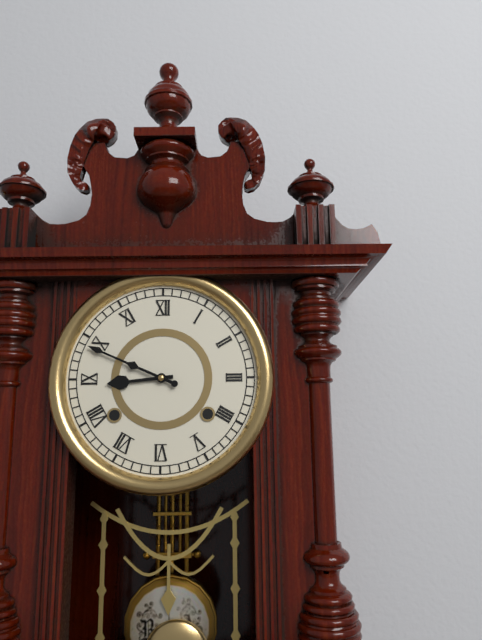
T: 8 h 49 min
